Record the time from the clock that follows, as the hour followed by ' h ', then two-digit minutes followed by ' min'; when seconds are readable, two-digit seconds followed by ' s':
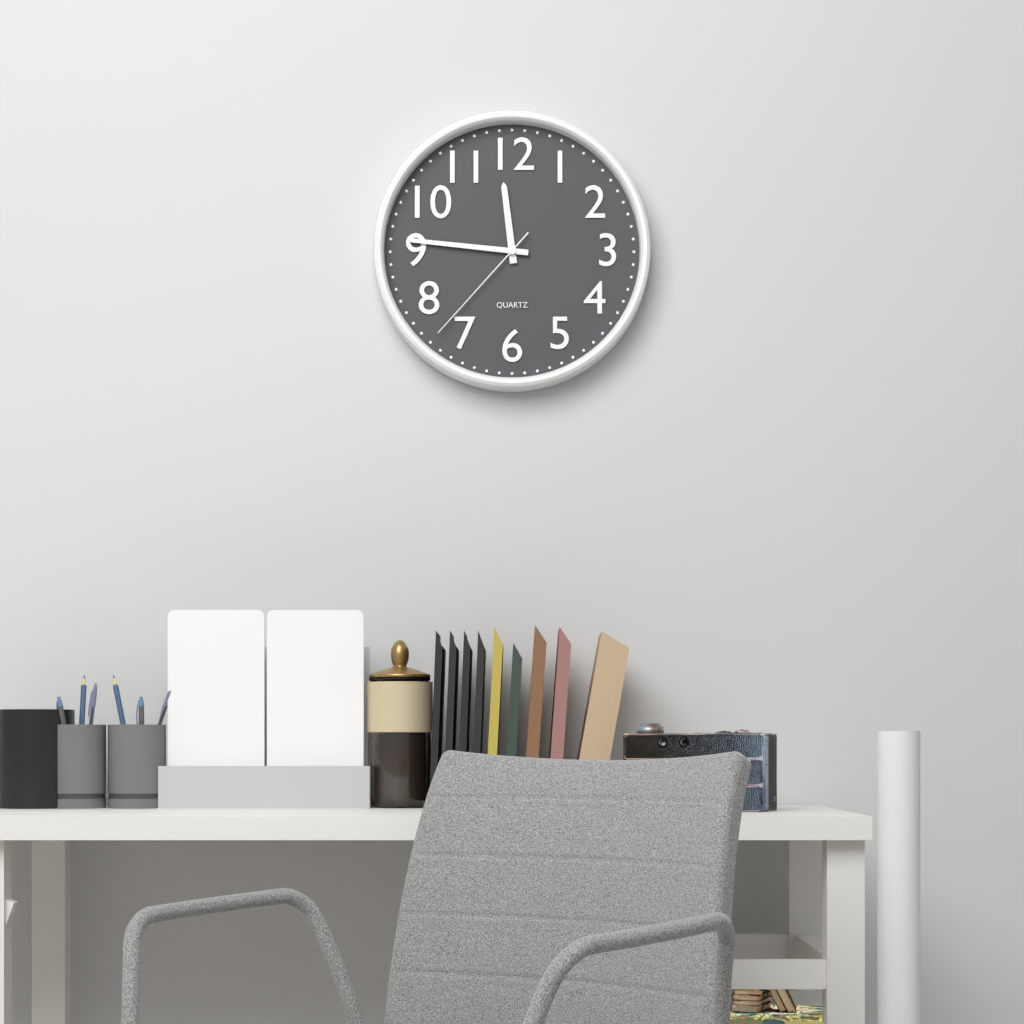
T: 11 h 46 min 37 s
